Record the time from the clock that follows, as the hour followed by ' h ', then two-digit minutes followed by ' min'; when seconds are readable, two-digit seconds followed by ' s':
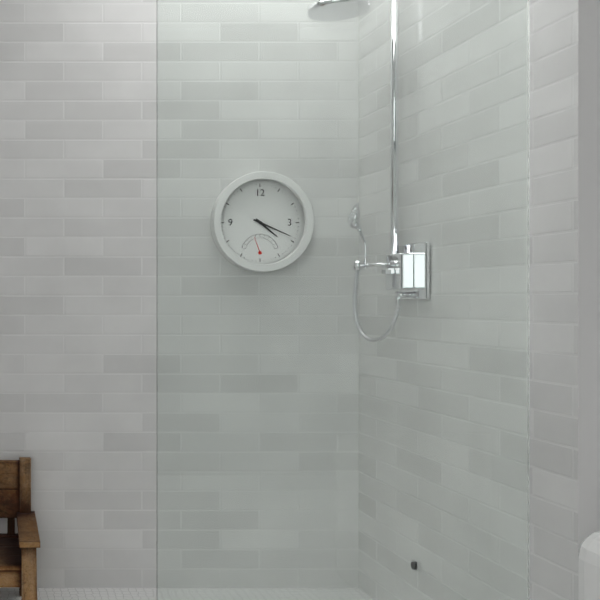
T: 4 h 19 min
